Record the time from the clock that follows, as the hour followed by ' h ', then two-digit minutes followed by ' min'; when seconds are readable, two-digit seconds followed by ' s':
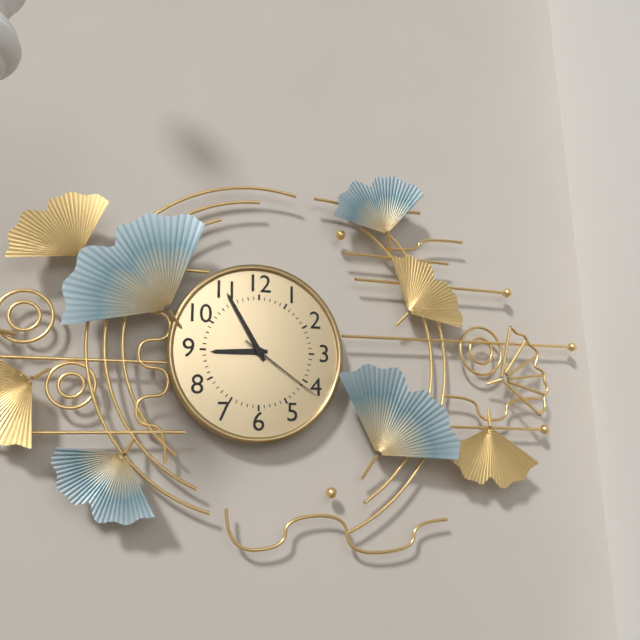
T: 8 h 55 min 21 s
